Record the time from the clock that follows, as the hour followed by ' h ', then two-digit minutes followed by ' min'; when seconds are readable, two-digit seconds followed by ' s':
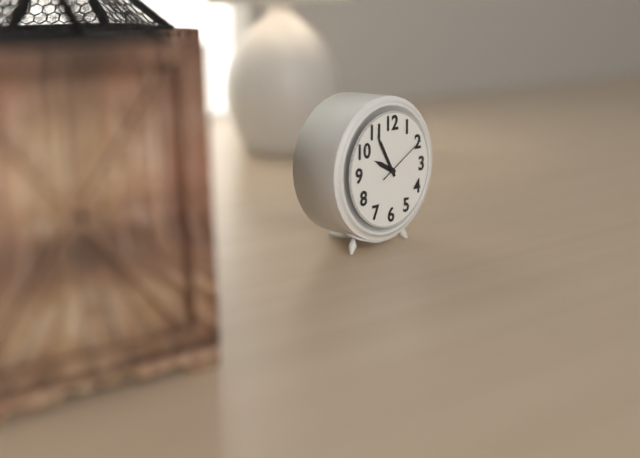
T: 9 h 55 min 10 s
